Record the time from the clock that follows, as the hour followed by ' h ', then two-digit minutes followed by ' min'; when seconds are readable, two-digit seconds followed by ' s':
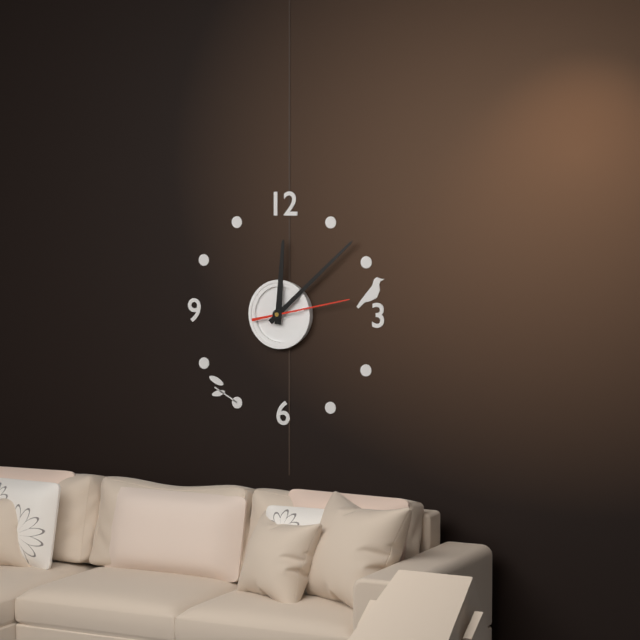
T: 12 h 08 min 13 s
